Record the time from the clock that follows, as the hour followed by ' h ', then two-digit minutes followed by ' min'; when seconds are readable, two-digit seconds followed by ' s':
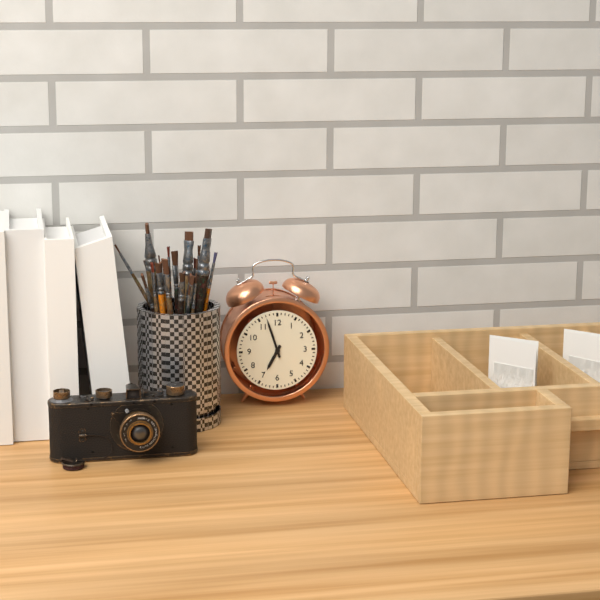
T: 6 h 57 min
